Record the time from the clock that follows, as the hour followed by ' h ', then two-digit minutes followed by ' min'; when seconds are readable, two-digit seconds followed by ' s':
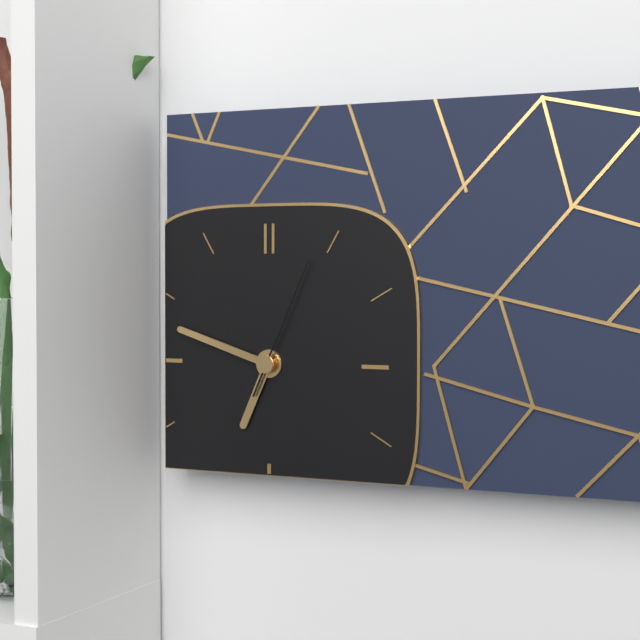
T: 6 h 48 min 04 s
